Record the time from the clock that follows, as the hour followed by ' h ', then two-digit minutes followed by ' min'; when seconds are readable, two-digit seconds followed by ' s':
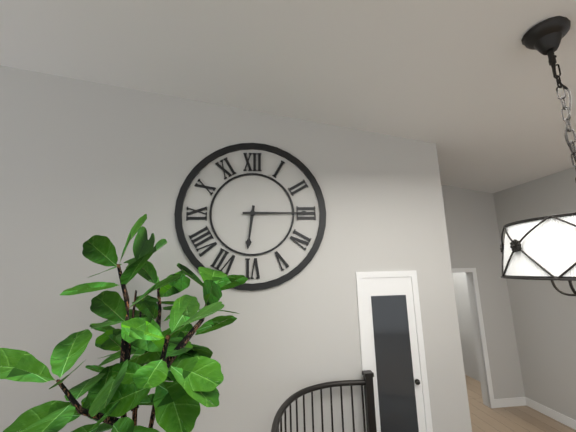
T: 6 h 15 min
